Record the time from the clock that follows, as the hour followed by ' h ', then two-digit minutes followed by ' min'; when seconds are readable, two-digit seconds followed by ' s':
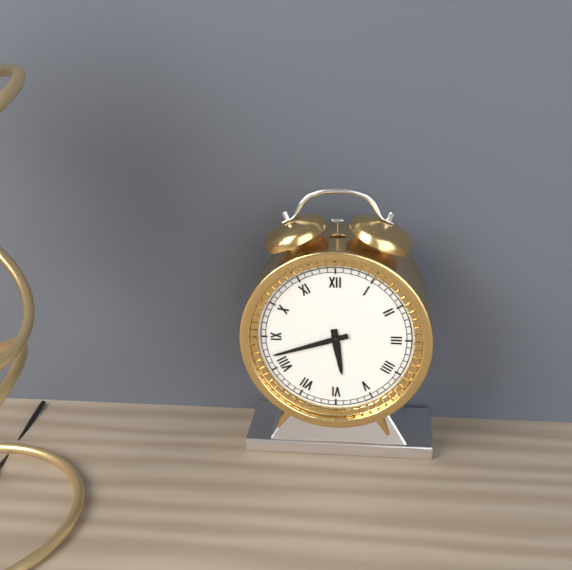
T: 5 h 42 min
